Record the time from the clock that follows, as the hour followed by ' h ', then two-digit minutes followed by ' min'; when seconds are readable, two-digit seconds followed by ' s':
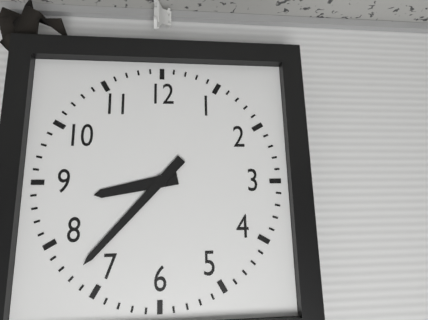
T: 8 h 37 min
